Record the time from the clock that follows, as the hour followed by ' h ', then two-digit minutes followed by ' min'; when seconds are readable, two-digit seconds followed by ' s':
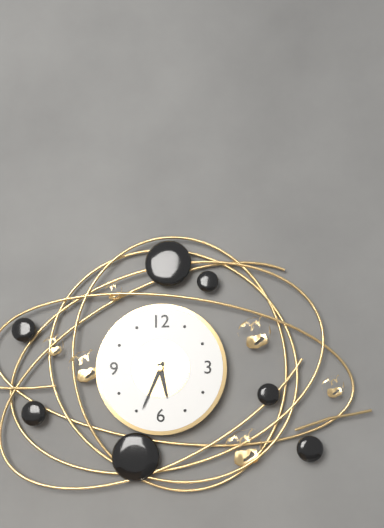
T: 5 h 34 min
